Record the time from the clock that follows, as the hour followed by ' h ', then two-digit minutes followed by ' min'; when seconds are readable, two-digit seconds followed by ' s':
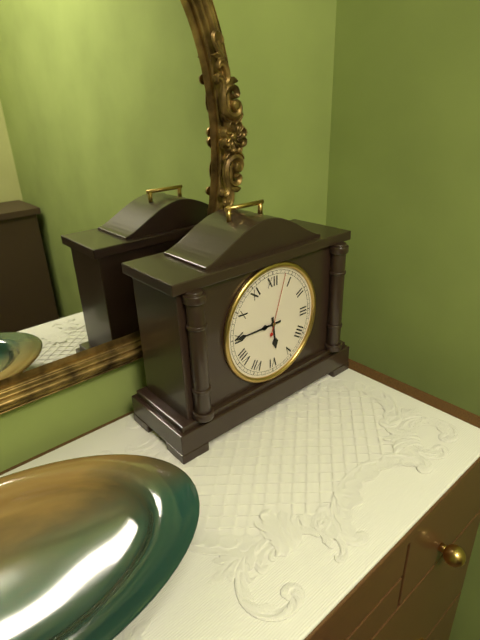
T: 5 h 45 min 03 s
